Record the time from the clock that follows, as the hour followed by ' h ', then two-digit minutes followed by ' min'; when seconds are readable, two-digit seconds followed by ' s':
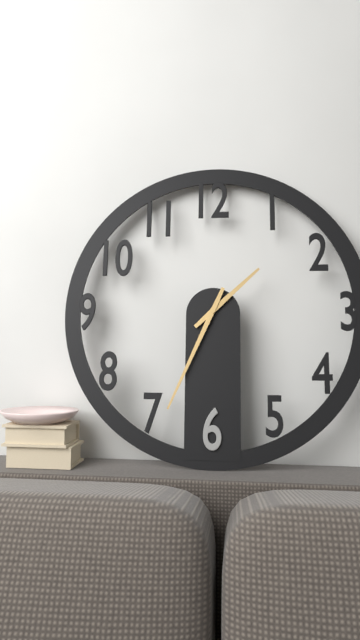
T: 1 h 34 min
